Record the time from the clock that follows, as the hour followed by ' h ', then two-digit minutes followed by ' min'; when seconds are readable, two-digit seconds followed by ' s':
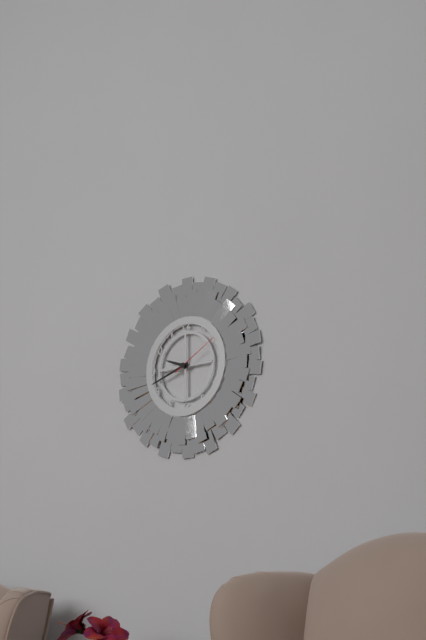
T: 9 h 42 min
